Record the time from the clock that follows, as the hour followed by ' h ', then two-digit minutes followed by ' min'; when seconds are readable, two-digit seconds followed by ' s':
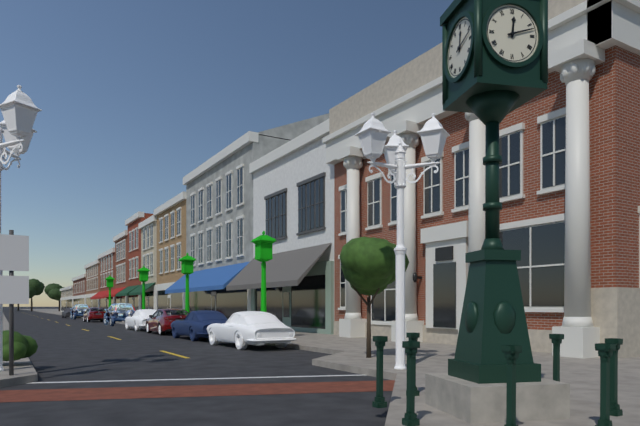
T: 12 h 12 min
